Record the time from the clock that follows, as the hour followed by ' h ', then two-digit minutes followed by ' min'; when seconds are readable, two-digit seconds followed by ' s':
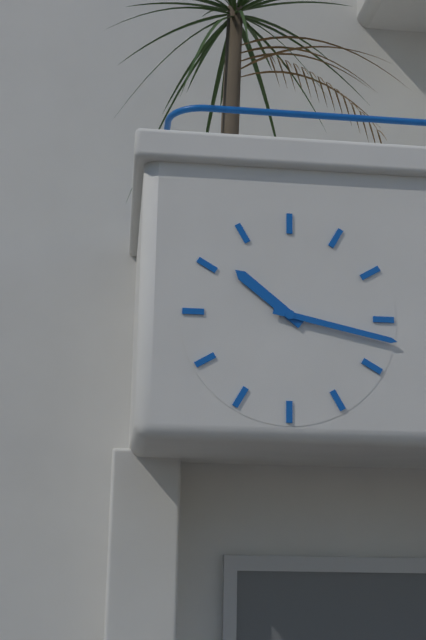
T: 10 h 17 min
